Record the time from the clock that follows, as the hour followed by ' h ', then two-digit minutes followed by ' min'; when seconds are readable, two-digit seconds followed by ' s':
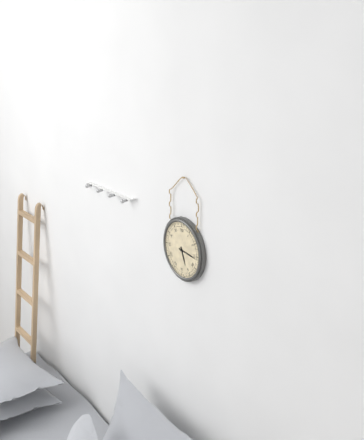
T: 5 h 16 min
